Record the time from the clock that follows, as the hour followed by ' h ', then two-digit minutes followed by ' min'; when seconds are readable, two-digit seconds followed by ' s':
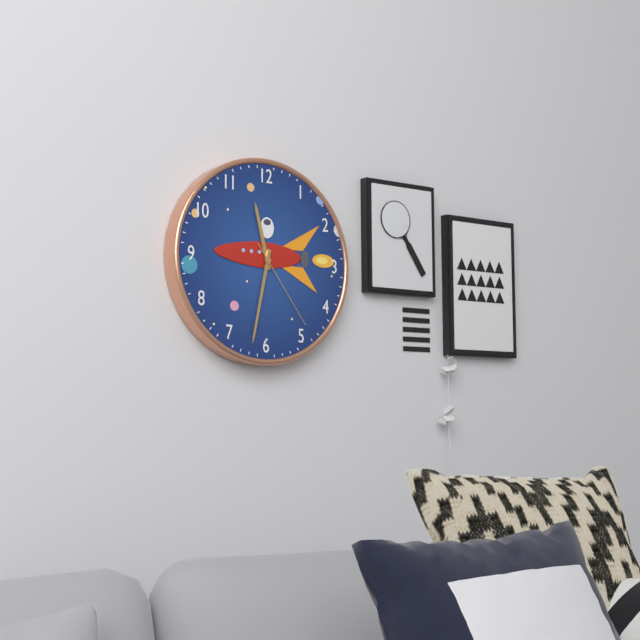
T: 11 h 32 min 24 s
